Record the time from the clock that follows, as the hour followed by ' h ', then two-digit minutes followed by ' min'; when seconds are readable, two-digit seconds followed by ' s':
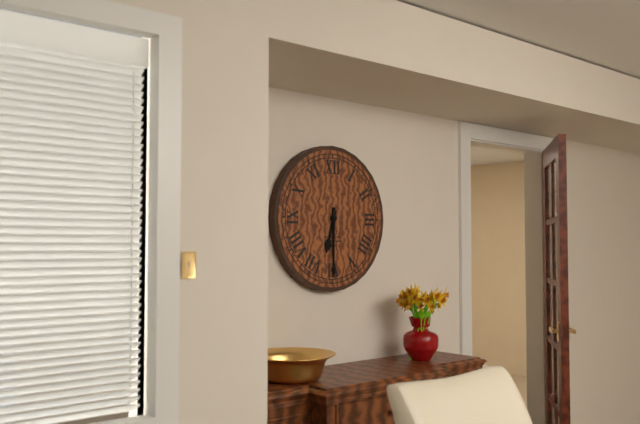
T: 6 h 30 min
